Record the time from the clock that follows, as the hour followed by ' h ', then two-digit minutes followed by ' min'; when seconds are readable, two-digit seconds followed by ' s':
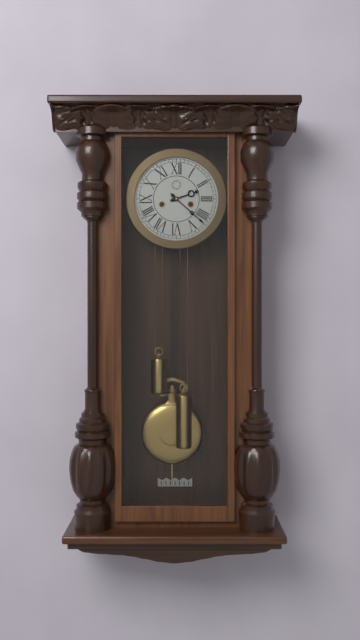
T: 2 h 22 min
